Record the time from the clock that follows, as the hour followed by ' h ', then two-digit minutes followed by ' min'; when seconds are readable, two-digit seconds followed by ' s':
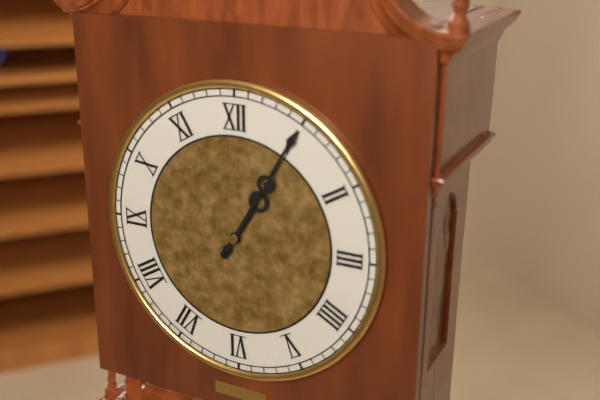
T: 1 h 05 min
